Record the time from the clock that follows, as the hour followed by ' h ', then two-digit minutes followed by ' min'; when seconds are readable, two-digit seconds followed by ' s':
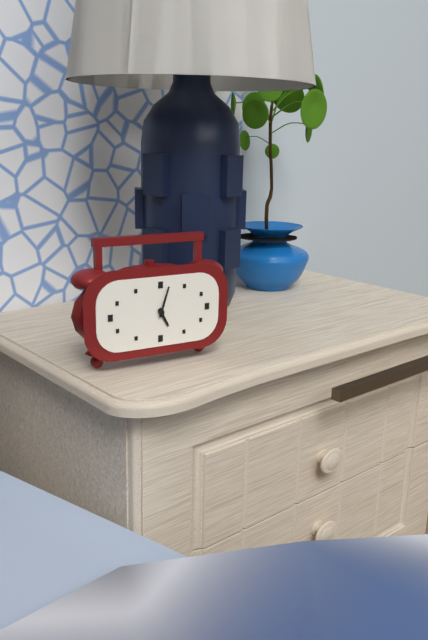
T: 5 h 03 min
